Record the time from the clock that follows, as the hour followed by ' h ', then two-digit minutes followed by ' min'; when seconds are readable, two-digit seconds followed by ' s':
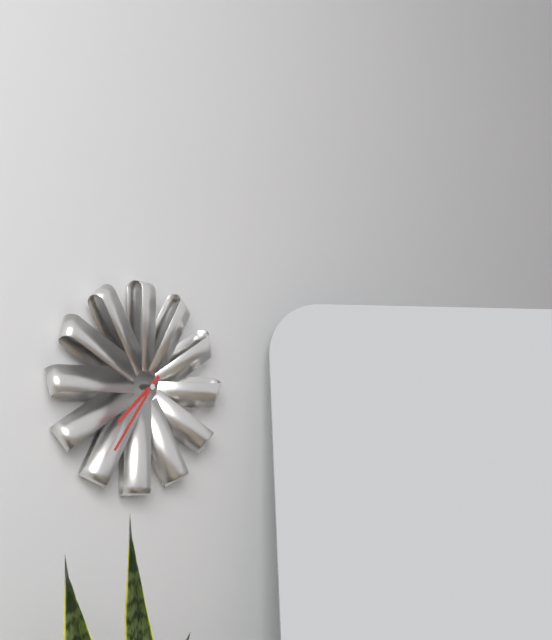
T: 7 h 36 min
